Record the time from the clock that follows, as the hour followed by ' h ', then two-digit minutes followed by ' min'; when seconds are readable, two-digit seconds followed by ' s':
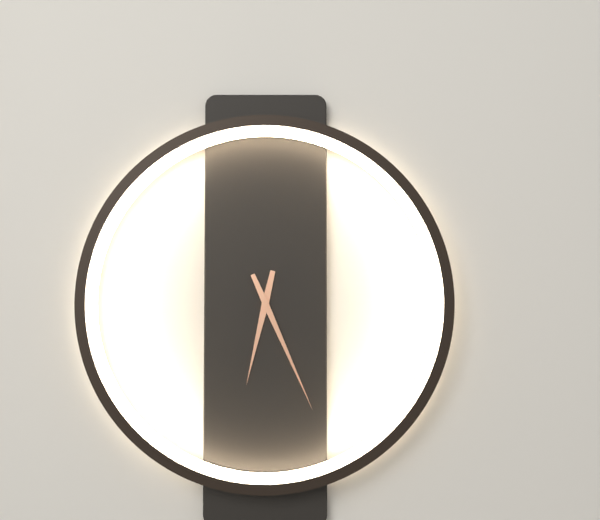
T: 6 h 26 min
